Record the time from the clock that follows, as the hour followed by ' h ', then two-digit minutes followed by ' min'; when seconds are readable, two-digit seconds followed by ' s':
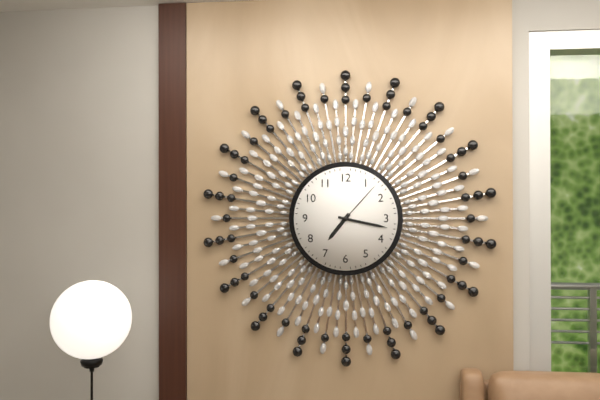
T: 7 h 17 min 07 s
